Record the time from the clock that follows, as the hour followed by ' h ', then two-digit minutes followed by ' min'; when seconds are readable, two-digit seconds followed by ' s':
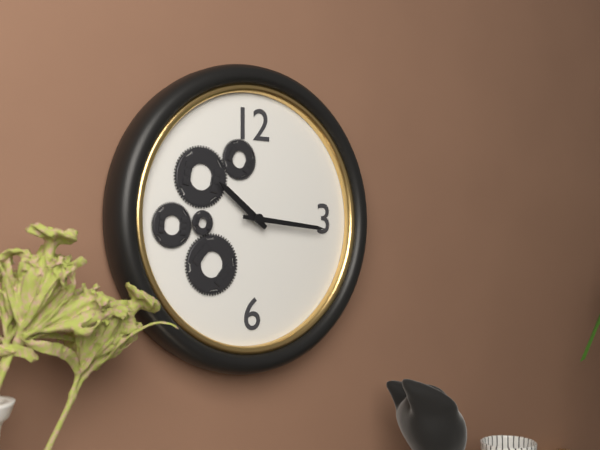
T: 10 h 16 min
